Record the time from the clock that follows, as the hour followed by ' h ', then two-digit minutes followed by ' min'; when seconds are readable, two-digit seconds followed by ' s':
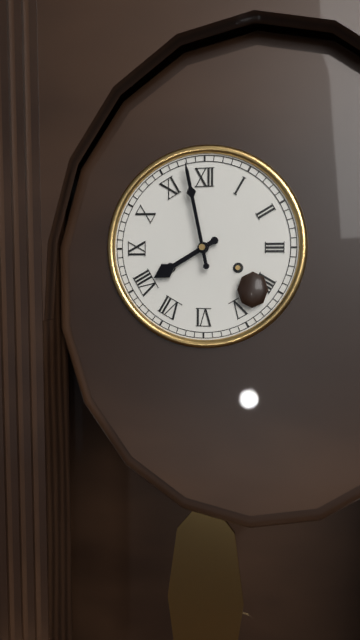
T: 7 h 58 min
